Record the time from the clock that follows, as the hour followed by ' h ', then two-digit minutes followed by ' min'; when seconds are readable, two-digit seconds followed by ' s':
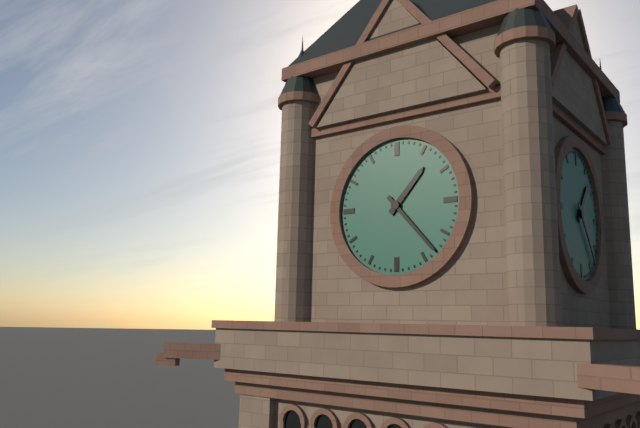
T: 1 h 23 min
